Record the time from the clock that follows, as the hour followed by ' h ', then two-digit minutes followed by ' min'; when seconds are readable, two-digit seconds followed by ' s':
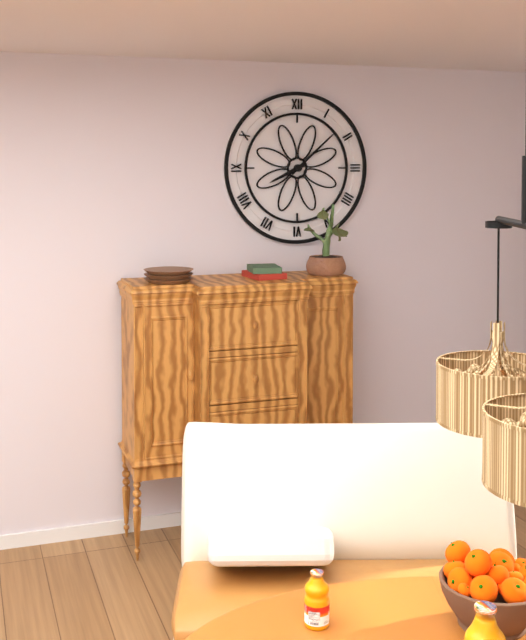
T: 8 h 08 min
